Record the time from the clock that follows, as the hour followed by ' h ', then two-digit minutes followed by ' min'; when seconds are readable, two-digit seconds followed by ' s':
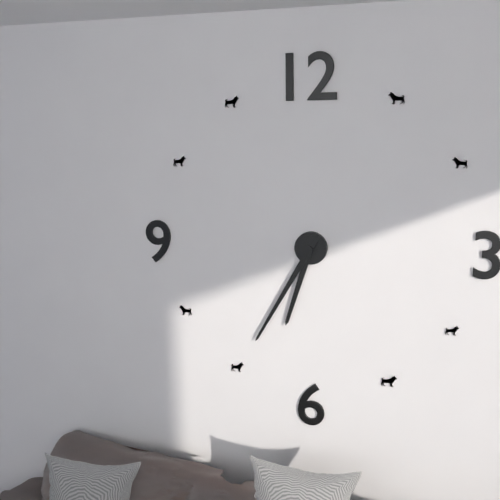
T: 6 h 35 min
